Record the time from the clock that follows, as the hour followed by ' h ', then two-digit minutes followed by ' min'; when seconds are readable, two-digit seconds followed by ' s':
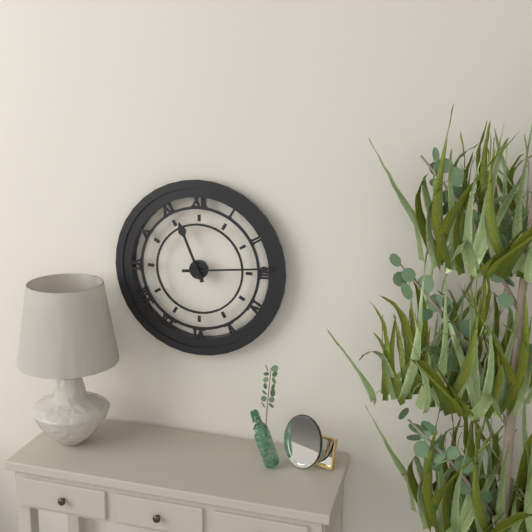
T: 11 h 14 min
